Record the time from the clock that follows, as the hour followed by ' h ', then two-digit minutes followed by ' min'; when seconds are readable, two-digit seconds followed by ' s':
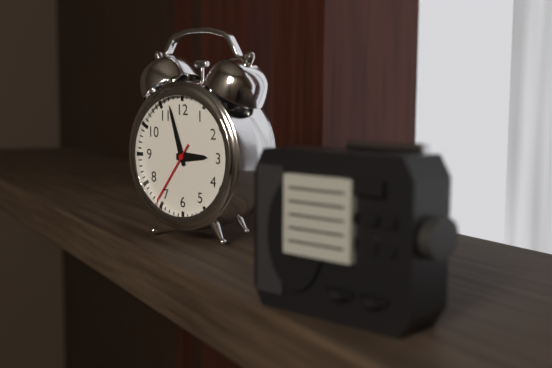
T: 2 h 57 min 36 s
